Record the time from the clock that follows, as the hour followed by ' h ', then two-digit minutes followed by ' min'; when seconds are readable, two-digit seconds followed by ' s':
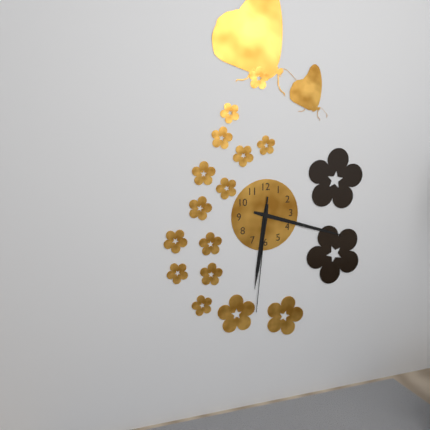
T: 6 h 18 min 31 s
